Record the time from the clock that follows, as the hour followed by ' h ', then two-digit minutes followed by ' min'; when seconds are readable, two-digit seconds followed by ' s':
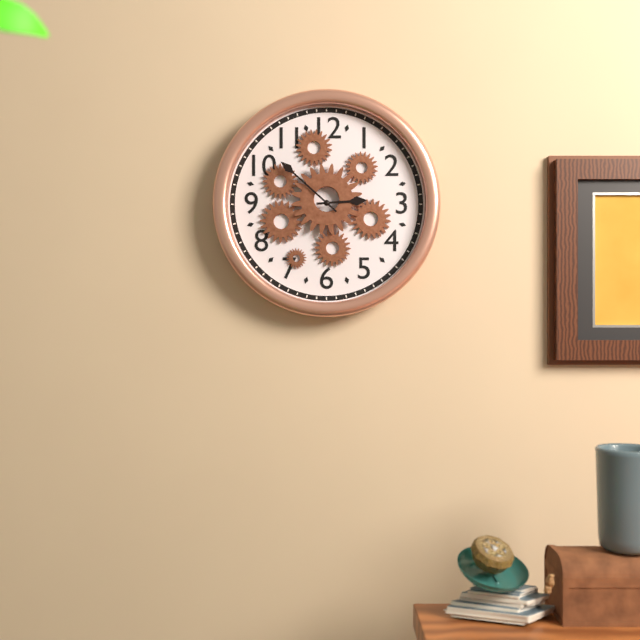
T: 2 h 52 min
